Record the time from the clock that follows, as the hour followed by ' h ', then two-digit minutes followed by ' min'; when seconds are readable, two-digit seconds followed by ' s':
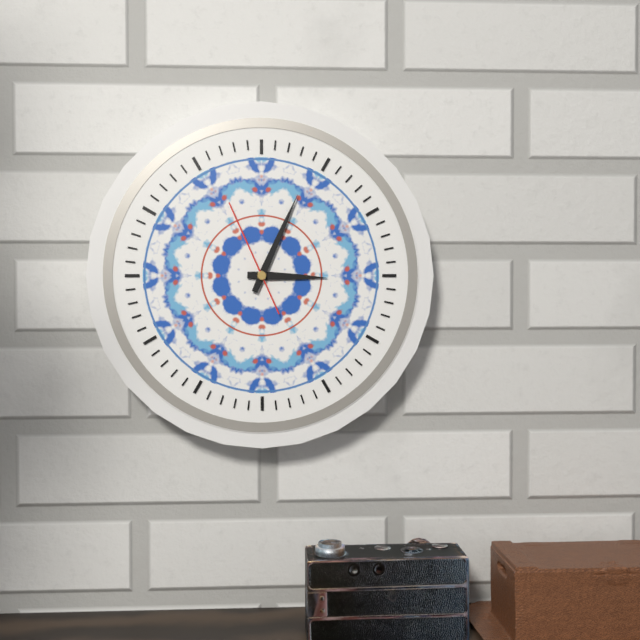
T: 3 h 04 min 56 s
